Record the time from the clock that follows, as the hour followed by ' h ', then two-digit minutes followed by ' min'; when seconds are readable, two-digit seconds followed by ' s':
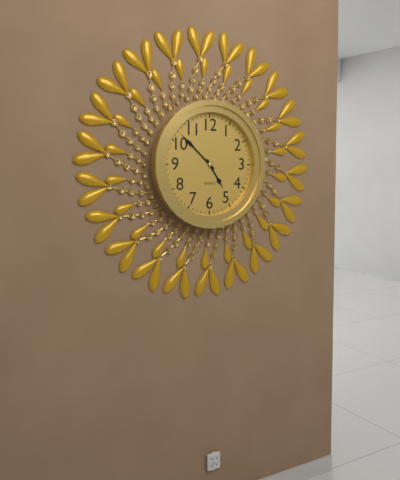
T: 4 h 52 min
